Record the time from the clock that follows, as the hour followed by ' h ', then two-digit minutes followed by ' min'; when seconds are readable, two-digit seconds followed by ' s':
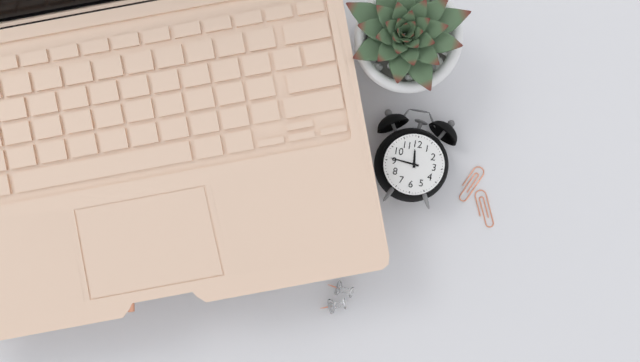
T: 11 h 46 min
